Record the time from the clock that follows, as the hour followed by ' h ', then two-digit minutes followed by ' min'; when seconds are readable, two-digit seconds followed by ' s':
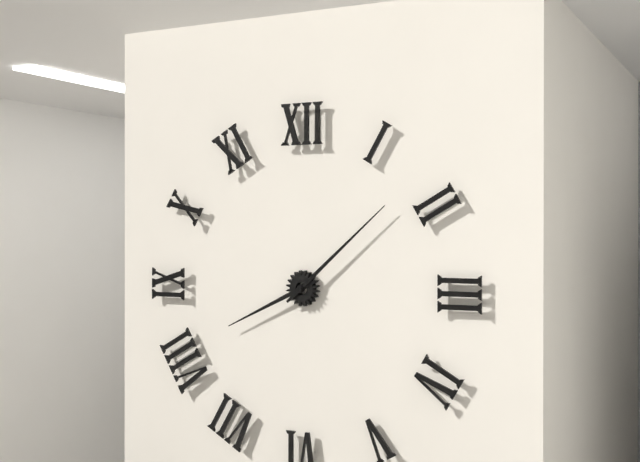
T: 8 h 08 min
